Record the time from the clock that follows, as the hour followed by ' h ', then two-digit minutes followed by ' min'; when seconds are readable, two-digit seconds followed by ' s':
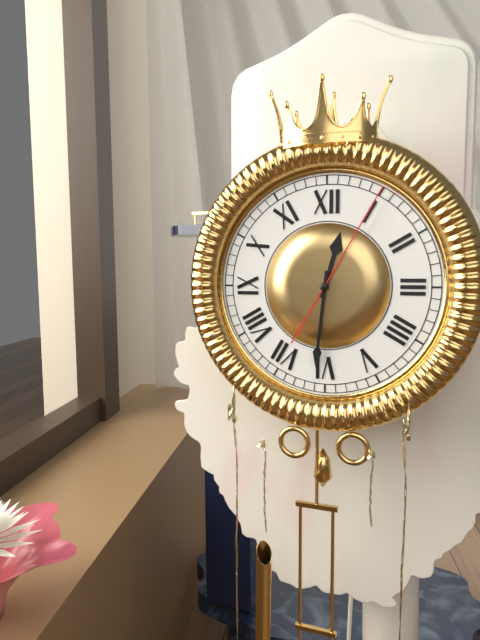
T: 12 h 31 min 05 s
